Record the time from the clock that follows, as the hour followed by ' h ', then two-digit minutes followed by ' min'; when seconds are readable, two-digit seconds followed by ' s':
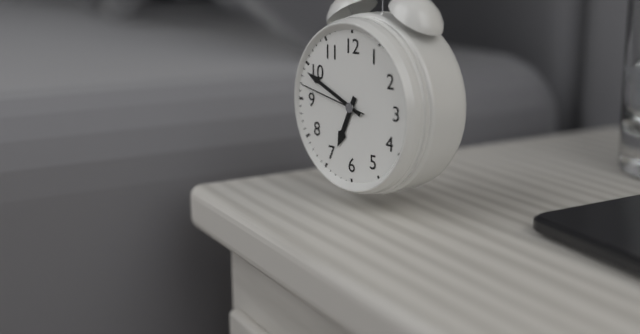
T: 6 h 49 min 47 s
